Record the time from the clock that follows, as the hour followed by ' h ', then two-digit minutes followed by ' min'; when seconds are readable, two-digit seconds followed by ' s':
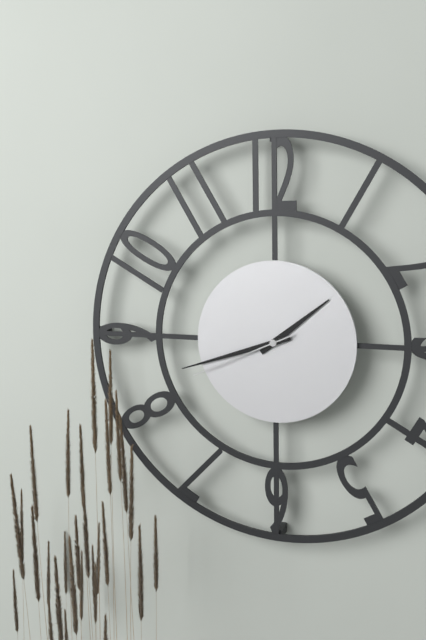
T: 1 h 42 min 41 s
